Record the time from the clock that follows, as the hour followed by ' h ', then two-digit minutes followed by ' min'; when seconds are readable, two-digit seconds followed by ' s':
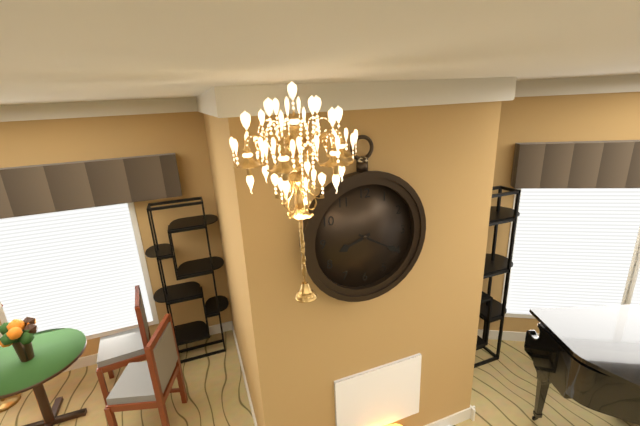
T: 8 h 20 min
